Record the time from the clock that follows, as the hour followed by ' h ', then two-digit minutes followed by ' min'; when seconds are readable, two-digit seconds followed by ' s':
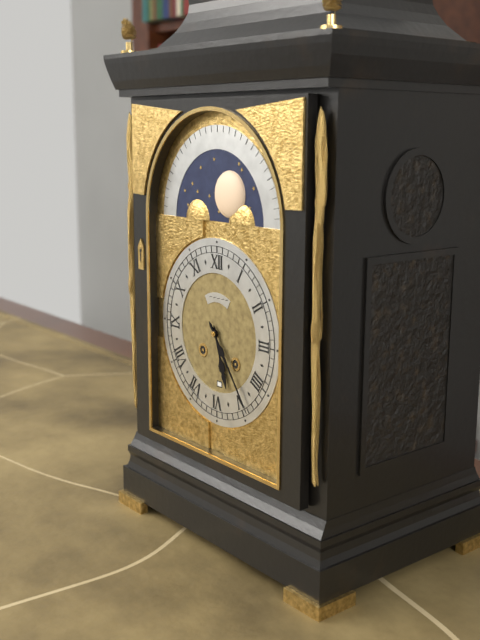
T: 5 h 24 min
